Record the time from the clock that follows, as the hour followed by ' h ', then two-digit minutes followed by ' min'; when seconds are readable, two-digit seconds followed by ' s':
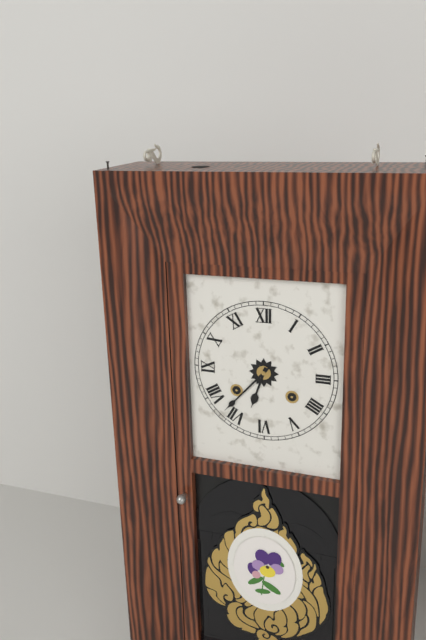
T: 6 h 37 min
